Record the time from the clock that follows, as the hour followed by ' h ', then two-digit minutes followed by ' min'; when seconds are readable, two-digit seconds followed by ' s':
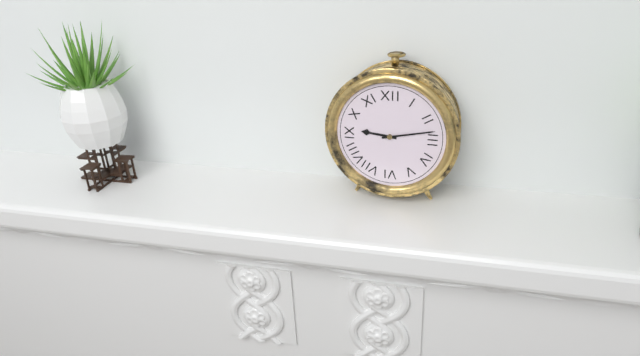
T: 9 h 13 min
